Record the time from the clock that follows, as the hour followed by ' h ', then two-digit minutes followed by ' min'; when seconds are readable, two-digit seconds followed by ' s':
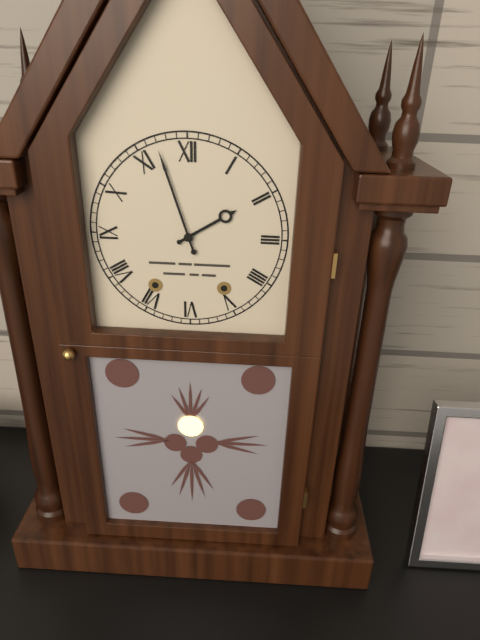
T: 1 h 57 min
